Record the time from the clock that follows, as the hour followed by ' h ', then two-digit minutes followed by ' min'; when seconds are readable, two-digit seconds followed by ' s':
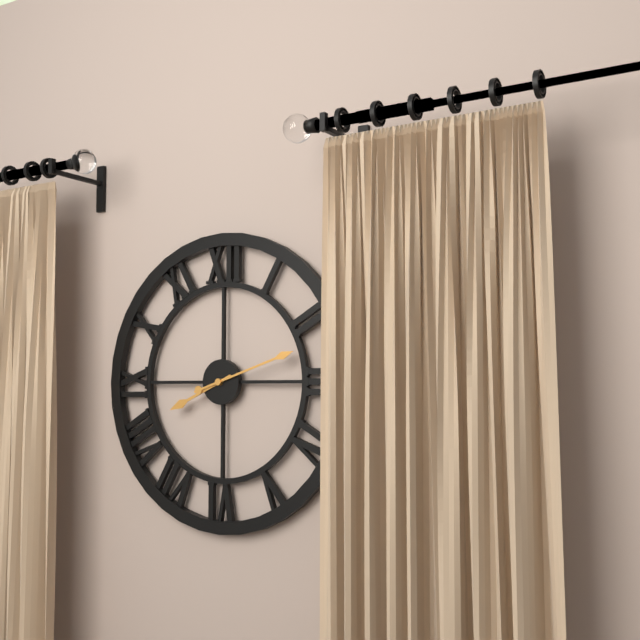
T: 8 h 12 min
